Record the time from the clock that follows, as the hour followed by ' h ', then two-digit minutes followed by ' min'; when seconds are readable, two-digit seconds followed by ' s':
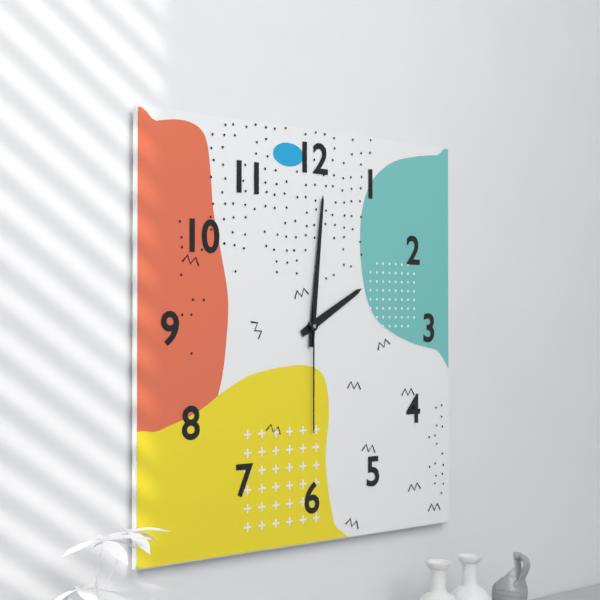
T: 2 h 01 min 30 s
